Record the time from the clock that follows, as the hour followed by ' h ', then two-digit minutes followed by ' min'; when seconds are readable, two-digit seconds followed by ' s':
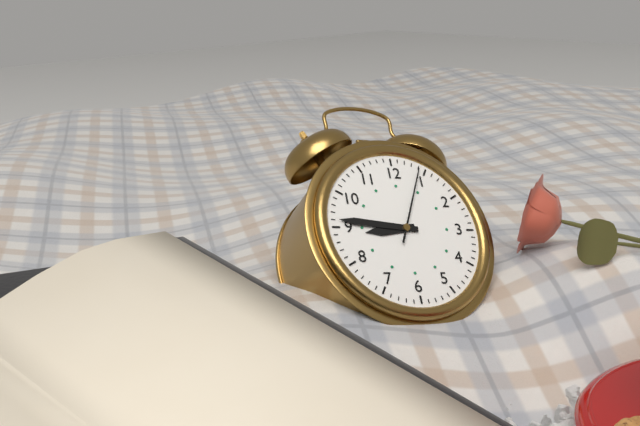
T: 8 h 46 min 04 s
